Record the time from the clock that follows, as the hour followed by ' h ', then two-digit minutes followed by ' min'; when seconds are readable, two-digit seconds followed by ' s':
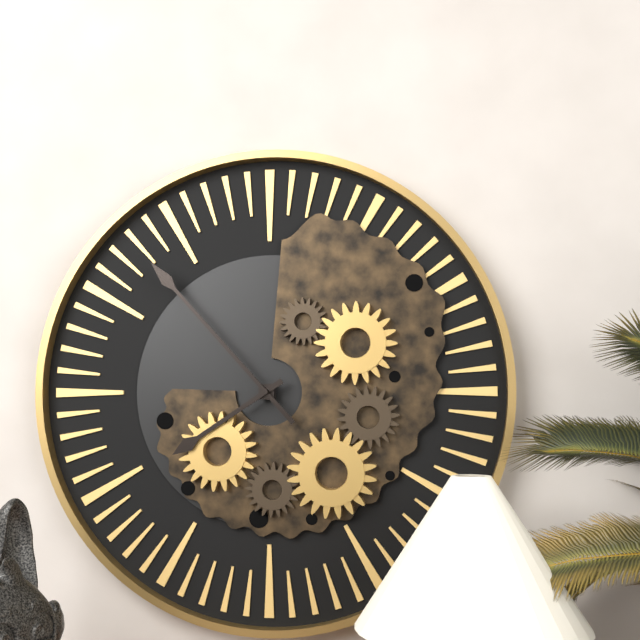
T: 7 h 53 min
